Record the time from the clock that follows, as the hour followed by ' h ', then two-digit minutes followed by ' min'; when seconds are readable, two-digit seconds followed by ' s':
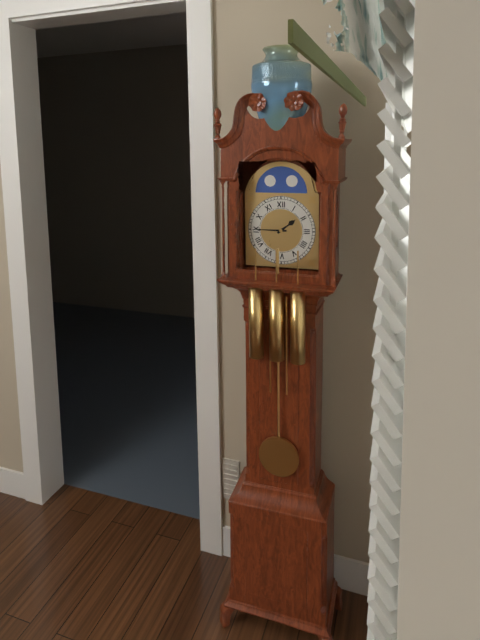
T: 1 h 45 min
